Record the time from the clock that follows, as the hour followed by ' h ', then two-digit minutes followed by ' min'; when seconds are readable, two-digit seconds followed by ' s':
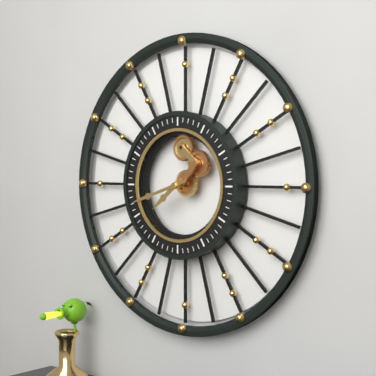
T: 7 h 42 min
